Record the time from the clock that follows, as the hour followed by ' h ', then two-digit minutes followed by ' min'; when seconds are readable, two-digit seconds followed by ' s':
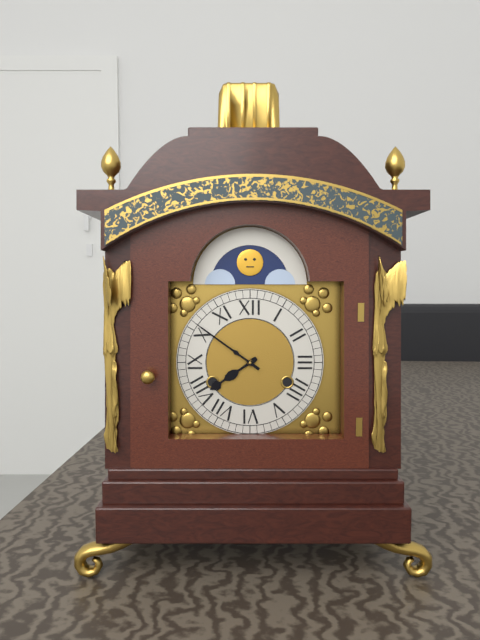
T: 7 h 51 min
